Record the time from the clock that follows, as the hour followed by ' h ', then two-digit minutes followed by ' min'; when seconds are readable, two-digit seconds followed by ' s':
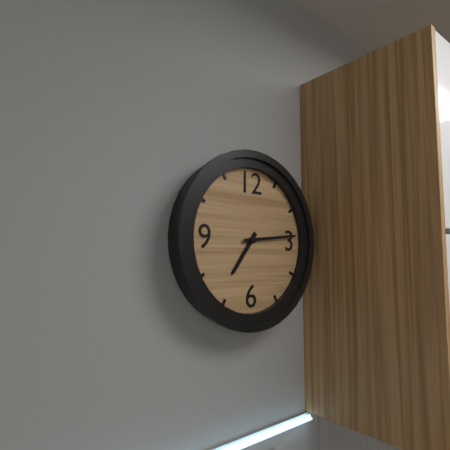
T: 7 h 14 min
